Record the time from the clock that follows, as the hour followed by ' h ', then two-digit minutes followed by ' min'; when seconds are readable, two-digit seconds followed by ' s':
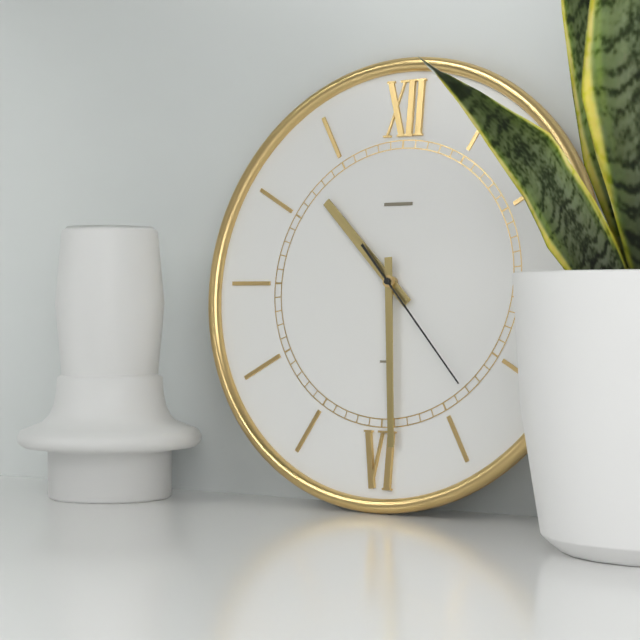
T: 10 h 29 min 23 s
